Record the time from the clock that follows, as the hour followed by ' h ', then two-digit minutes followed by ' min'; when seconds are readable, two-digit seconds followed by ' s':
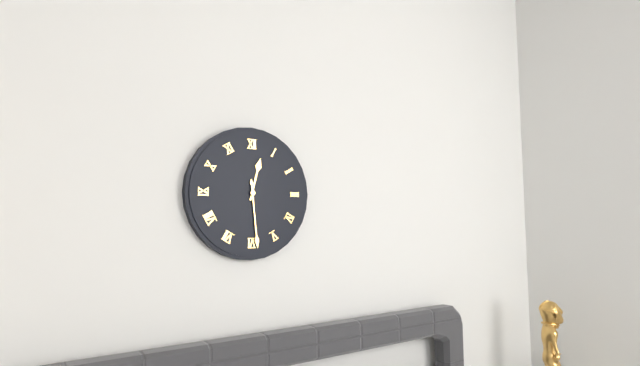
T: 12 h 29 min
